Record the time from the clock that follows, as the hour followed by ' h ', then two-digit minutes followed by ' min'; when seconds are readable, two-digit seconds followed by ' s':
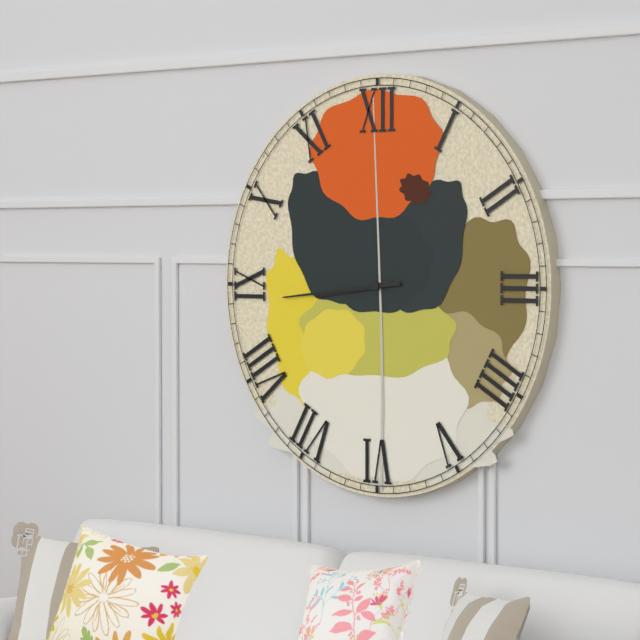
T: 8 h 44 min
